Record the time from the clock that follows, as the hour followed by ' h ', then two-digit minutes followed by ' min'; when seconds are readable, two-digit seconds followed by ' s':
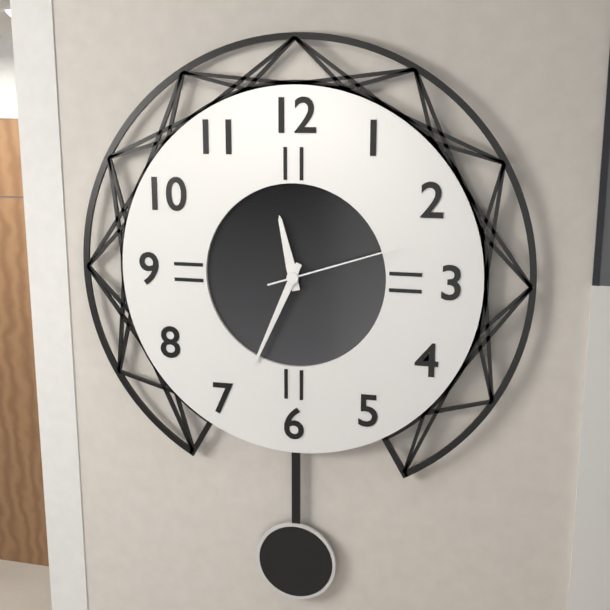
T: 11 h 34 min 12 s
